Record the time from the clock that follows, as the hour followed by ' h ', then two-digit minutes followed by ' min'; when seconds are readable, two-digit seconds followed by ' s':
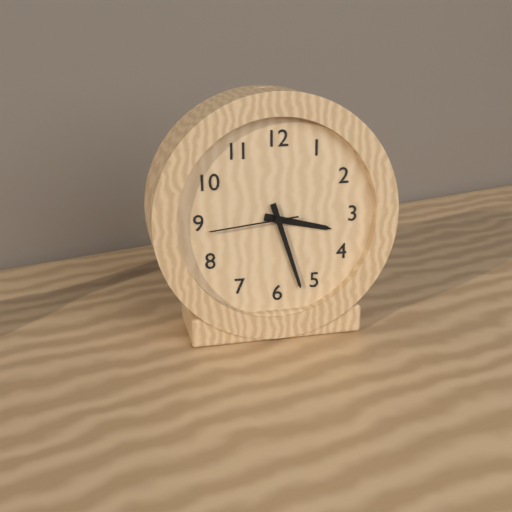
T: 3 h 27 min 44 s
